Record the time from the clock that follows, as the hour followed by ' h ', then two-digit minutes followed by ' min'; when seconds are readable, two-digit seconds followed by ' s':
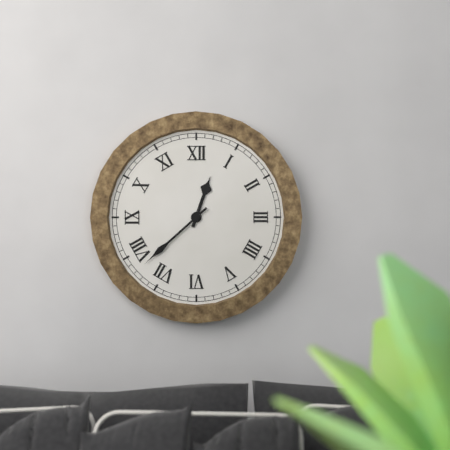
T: 12 h 38 min
